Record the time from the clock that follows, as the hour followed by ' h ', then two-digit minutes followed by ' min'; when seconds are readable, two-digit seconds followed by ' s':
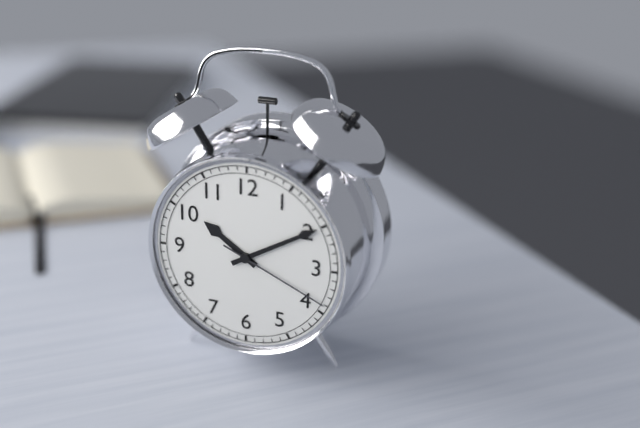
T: 10 h 10 min 19 s
